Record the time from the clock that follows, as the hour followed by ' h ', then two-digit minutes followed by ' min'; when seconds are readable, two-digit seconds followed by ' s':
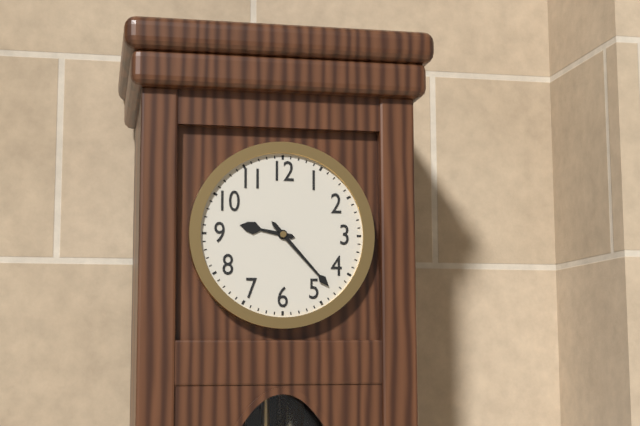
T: 9 h 23 min
